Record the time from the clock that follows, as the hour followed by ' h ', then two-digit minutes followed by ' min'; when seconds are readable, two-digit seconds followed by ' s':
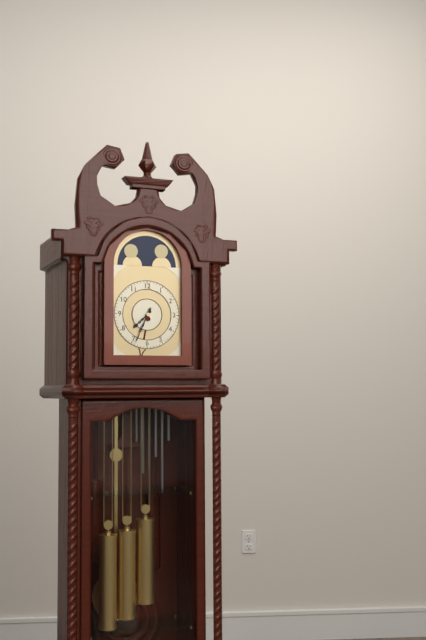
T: 7 h 34 min
